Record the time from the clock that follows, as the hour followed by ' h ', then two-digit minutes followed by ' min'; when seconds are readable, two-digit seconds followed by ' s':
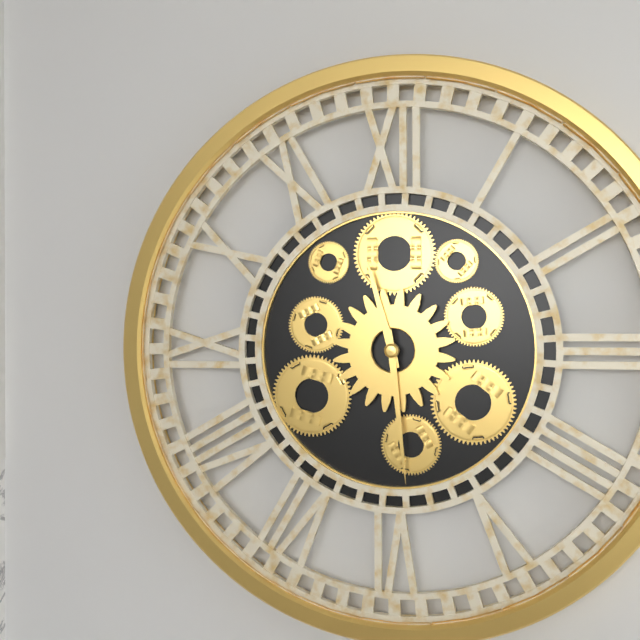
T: 11 h 29 min
